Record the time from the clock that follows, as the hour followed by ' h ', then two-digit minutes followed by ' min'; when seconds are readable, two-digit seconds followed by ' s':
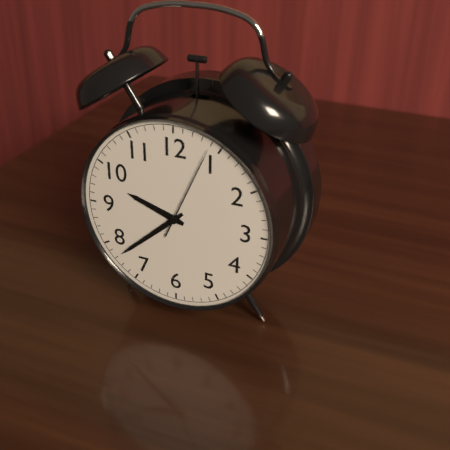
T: 9 h 38 min 04 s
